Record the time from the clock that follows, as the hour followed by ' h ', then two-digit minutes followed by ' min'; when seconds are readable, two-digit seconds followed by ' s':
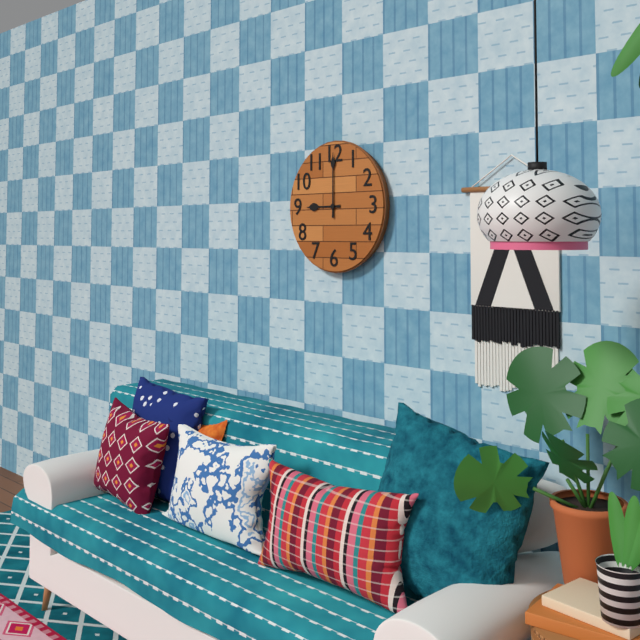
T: 9 h 00 min
